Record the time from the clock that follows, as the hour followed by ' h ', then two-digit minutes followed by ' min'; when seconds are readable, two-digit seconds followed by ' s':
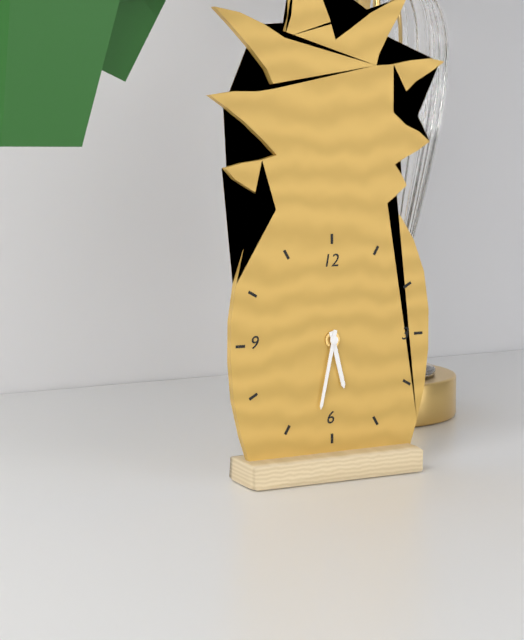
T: 5 h 32 min
